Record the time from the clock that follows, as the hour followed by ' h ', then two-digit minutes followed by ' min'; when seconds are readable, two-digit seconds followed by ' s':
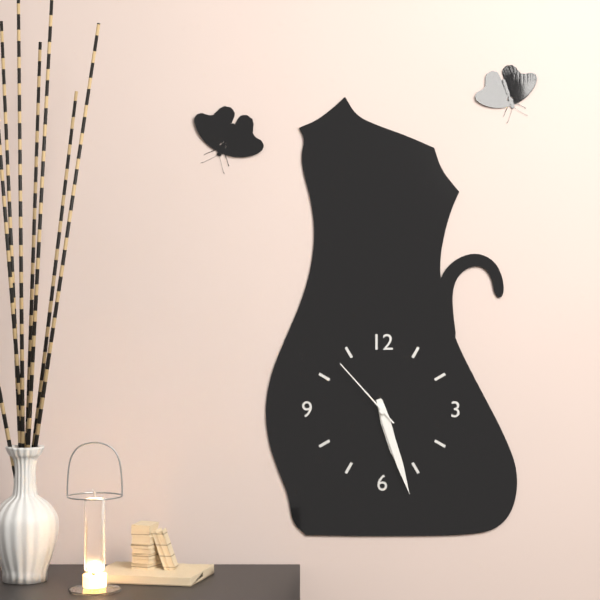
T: 5 h 27 min 53 s
